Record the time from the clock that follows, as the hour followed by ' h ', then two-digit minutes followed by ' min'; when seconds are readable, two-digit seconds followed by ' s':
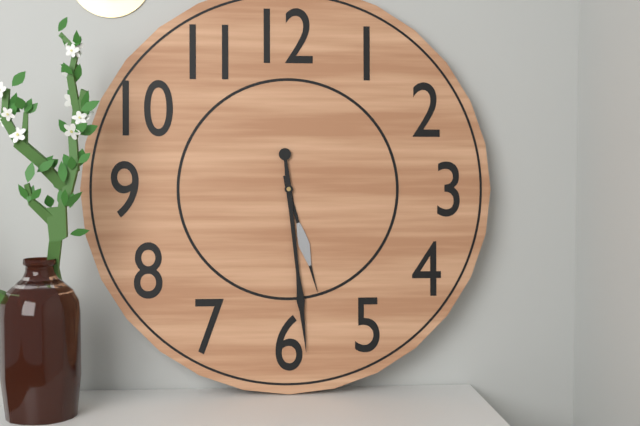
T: 5 h 29 min
